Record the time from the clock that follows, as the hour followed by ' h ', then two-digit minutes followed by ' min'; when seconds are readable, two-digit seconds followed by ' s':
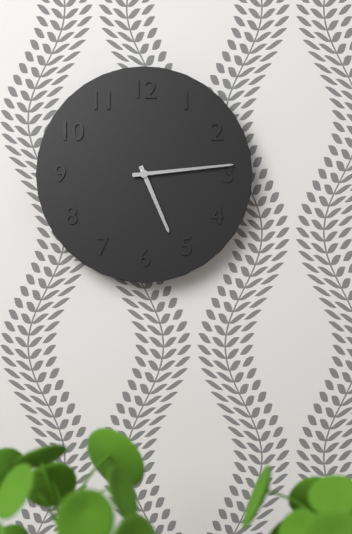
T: 5 h 14 min
